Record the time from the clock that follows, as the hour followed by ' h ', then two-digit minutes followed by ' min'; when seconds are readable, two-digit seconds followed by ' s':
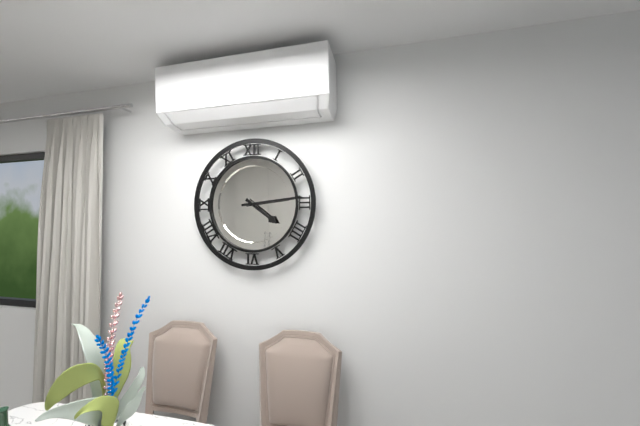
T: 4 h 14 min
